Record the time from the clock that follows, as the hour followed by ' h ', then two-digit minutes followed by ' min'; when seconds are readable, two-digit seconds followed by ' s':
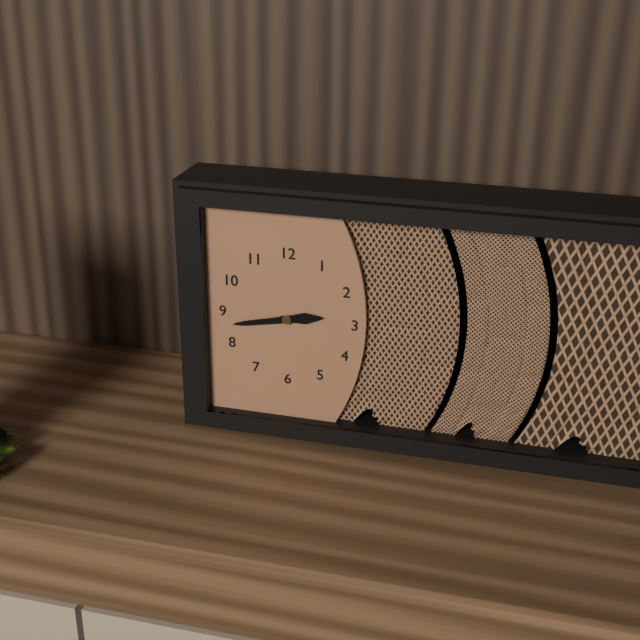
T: 2 h 43 min
